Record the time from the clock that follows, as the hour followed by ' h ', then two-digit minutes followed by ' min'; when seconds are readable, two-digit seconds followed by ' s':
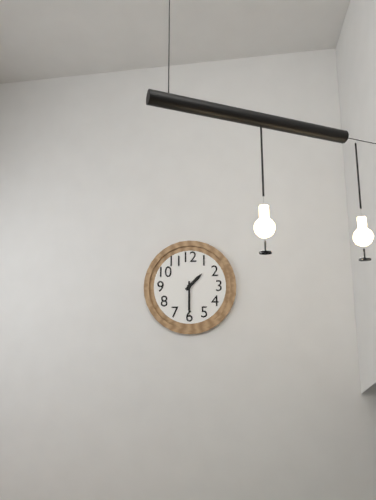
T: 1 h 30 min
